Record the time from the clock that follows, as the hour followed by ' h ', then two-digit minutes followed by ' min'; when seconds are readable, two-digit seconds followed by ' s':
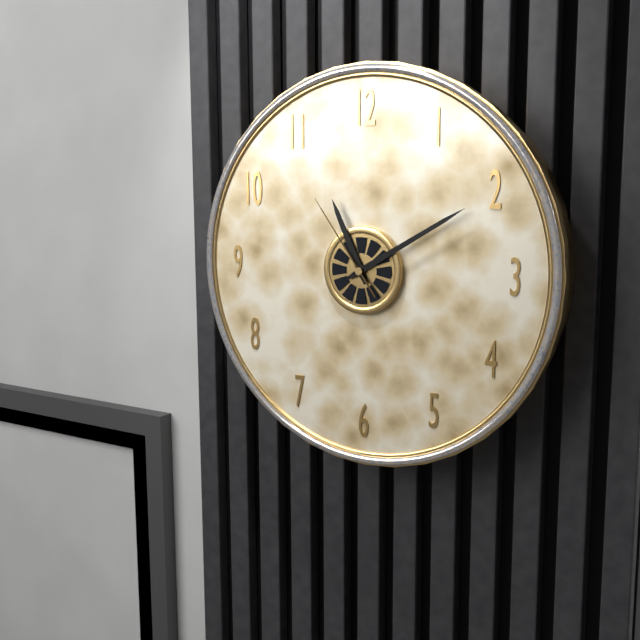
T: 11 h 10 min 54 s
